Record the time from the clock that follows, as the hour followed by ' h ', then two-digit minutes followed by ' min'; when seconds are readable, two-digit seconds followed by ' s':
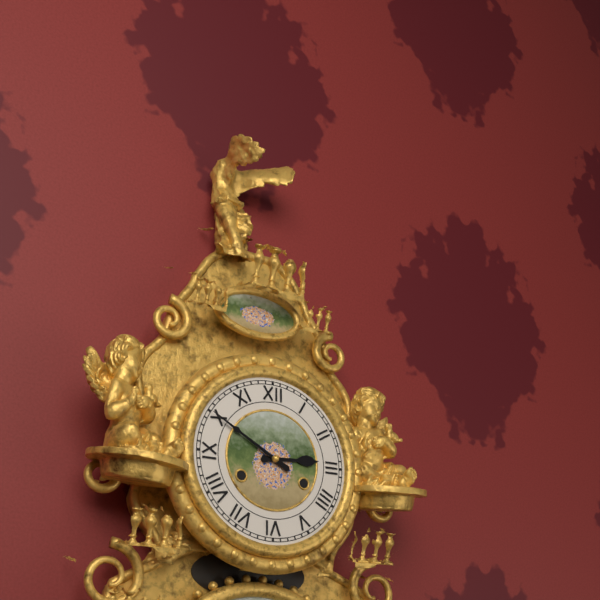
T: 2 h 50 min
